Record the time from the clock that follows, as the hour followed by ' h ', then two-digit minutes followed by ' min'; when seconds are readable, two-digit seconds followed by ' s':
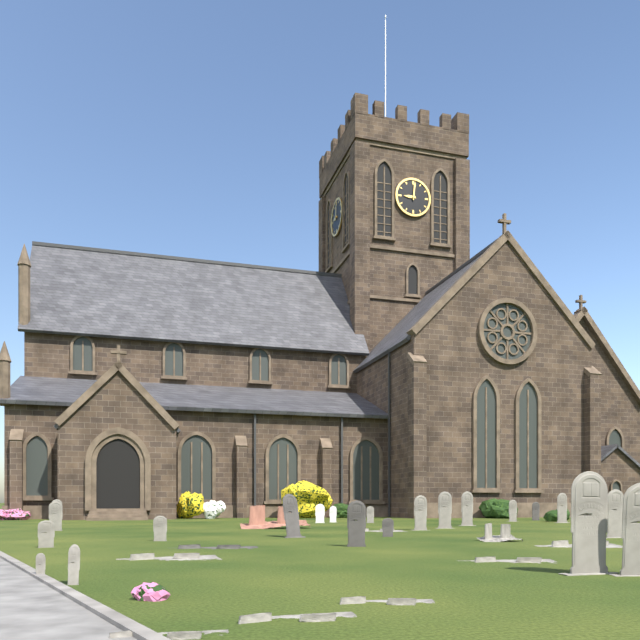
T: 9 h 01 min
